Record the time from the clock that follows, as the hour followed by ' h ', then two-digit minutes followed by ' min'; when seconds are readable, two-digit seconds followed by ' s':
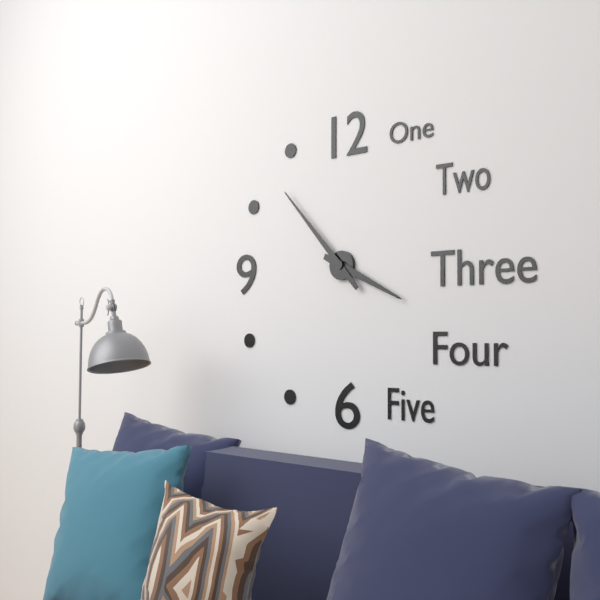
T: 3 h 53 min
